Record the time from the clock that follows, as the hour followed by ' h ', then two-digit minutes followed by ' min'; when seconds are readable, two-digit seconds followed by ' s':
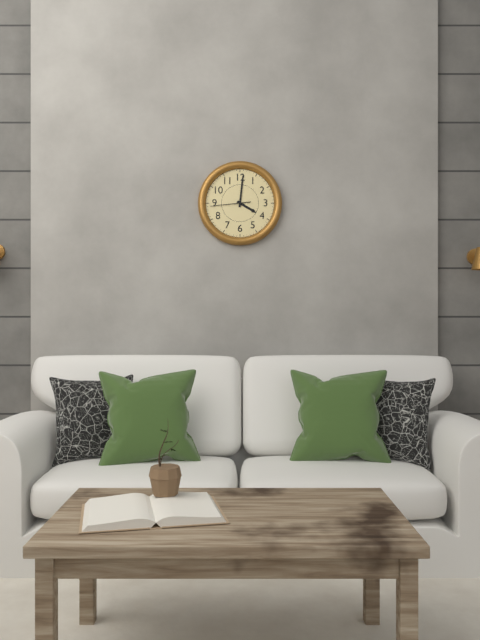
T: 4 h 01 min
